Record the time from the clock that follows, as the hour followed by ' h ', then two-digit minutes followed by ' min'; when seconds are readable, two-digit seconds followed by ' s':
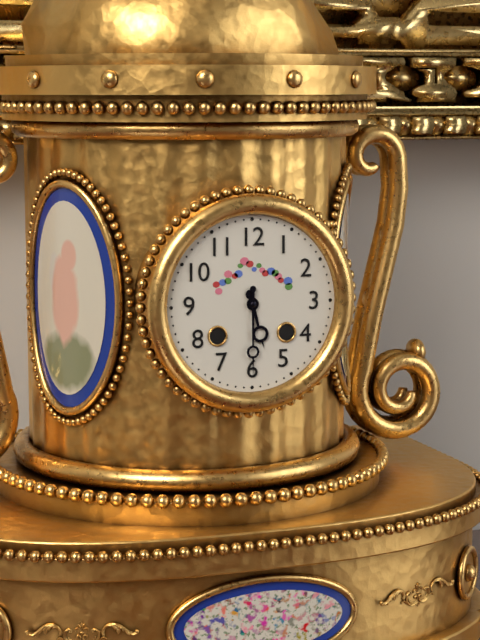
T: 5 h 30 min
